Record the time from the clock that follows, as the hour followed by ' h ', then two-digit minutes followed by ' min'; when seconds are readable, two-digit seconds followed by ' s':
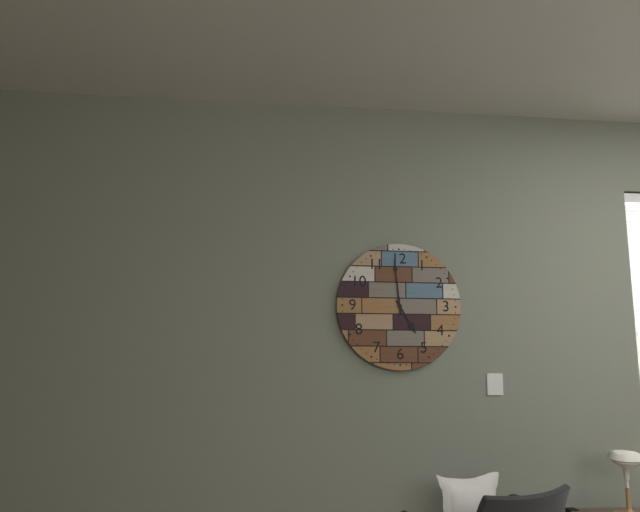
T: 4 h 59 min
